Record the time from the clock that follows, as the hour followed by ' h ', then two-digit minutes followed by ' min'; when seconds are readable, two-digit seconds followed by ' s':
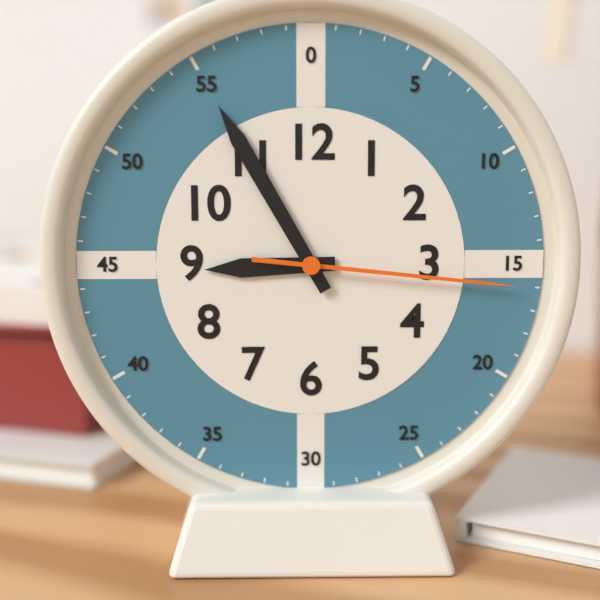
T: 8 h 55 min 16 s
